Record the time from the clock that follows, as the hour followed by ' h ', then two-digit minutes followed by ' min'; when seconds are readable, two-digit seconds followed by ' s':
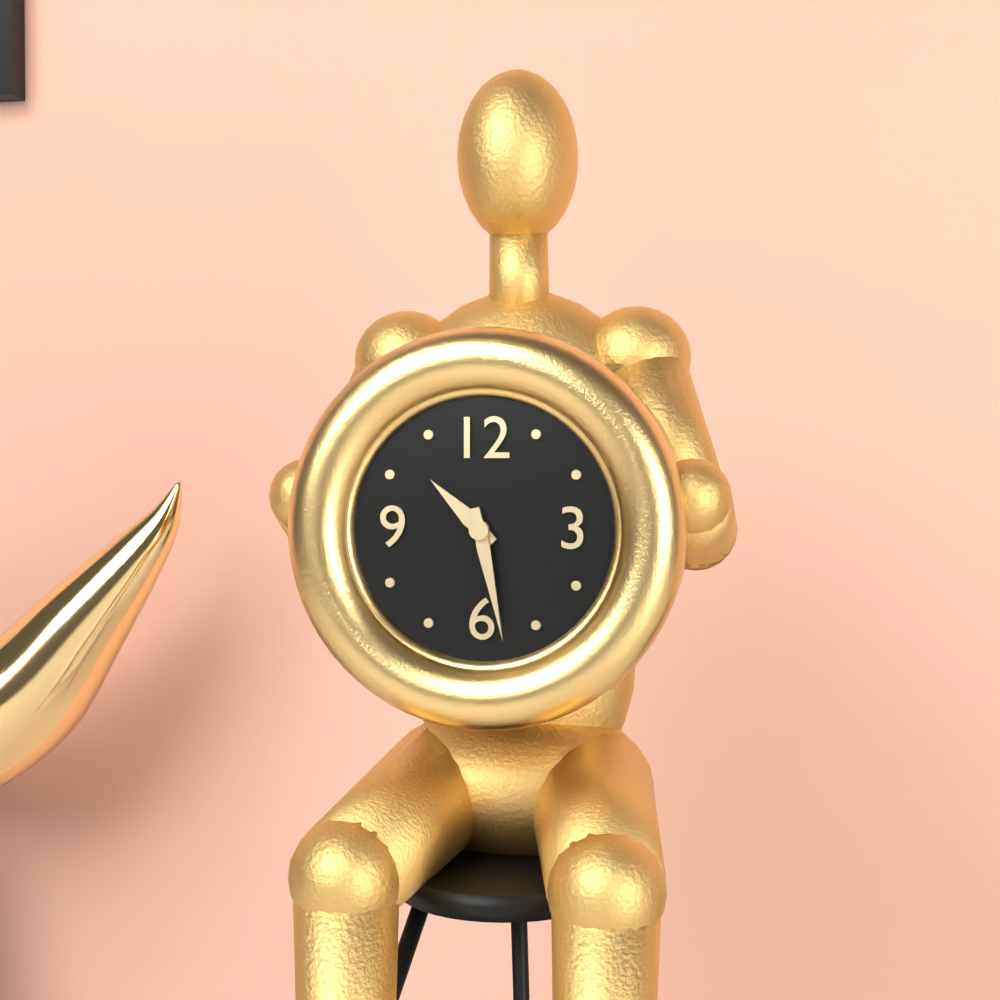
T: 10 h 28 min
